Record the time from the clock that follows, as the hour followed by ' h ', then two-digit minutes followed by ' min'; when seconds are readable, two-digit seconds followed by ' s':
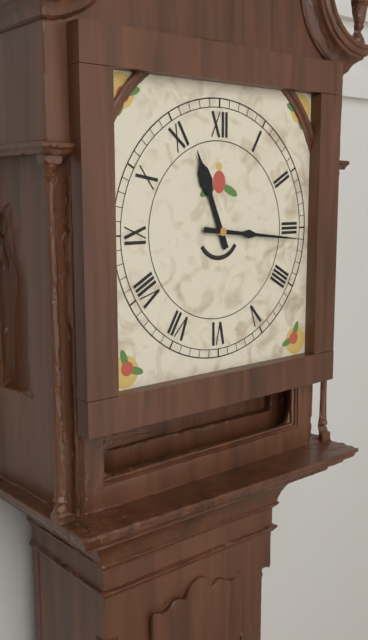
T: 11 h 16 min
